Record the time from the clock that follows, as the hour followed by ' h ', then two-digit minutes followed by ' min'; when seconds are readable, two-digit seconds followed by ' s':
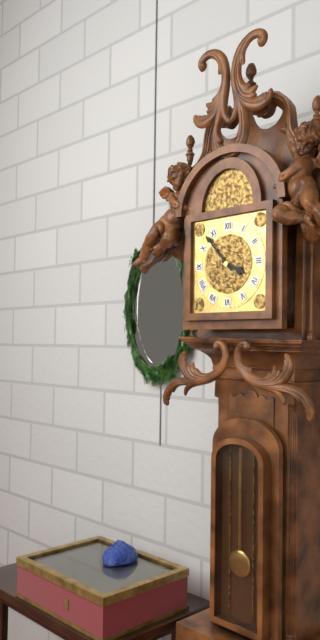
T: 3 h 53 min
